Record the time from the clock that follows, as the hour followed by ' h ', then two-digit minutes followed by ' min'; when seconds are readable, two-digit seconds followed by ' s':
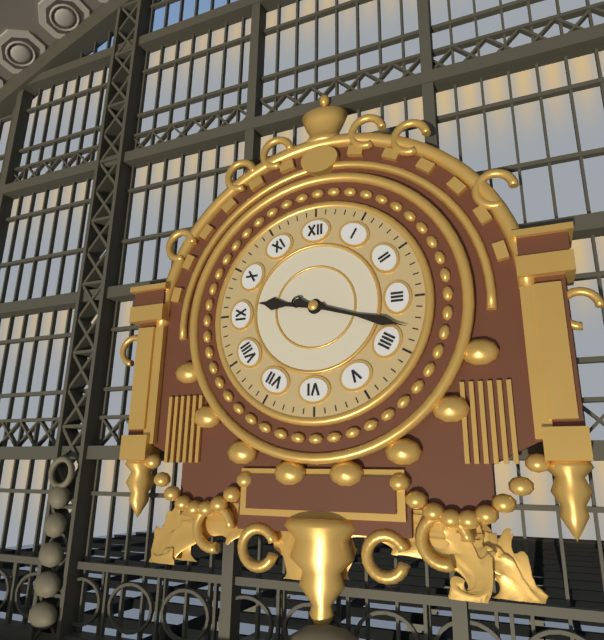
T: 9 h 18 min
